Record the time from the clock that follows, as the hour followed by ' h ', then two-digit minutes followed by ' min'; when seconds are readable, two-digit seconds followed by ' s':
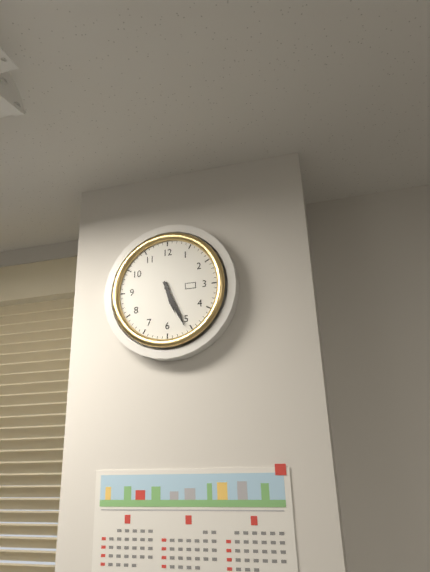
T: 5 h 26 min
